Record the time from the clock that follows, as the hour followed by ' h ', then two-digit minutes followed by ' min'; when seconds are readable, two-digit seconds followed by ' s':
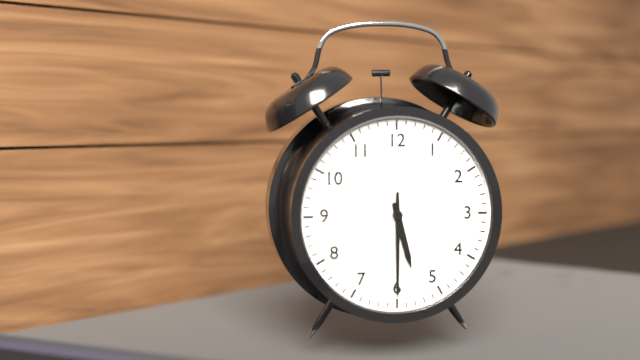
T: 5 h 30 min
